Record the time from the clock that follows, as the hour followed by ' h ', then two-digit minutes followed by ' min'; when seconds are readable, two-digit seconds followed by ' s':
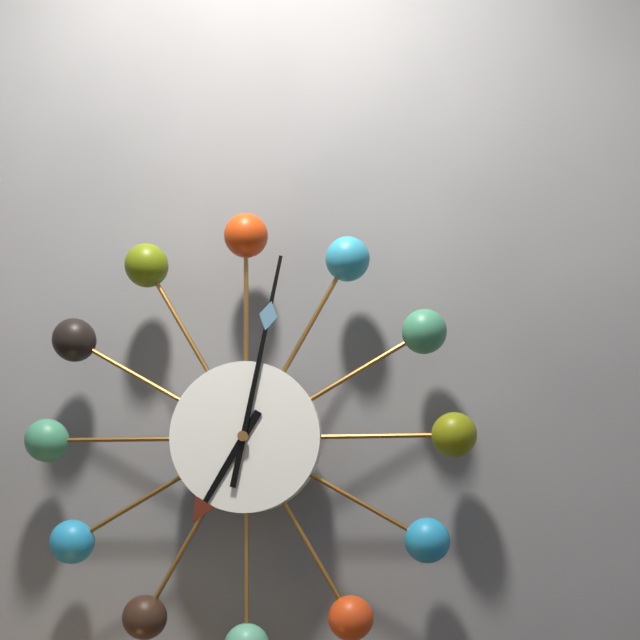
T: 7 h 02 min
